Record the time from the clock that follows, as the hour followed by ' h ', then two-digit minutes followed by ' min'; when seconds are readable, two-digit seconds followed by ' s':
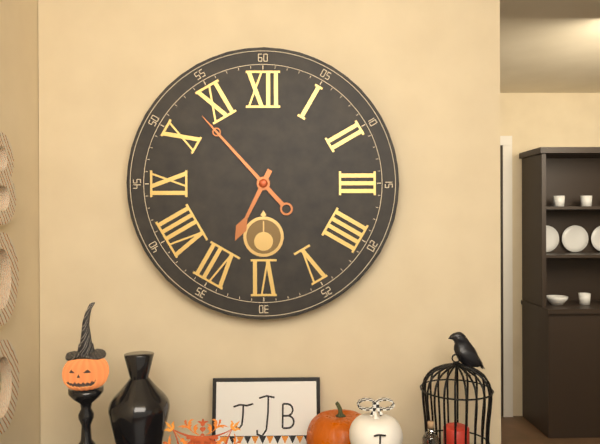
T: 6 h 53 min
